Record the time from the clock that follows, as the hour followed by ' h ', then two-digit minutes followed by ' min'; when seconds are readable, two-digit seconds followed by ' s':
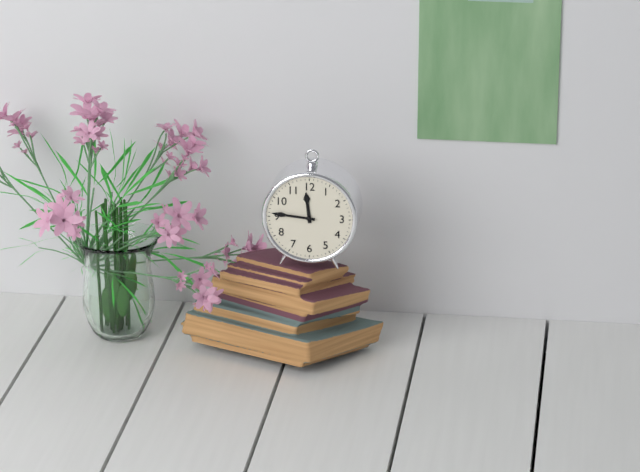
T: 11 h 46 min
